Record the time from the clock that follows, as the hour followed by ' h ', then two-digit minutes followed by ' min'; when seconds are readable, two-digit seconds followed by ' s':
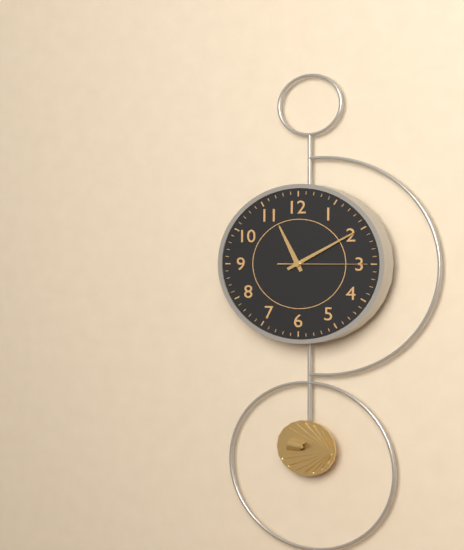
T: 11 h 10 min 15 s
